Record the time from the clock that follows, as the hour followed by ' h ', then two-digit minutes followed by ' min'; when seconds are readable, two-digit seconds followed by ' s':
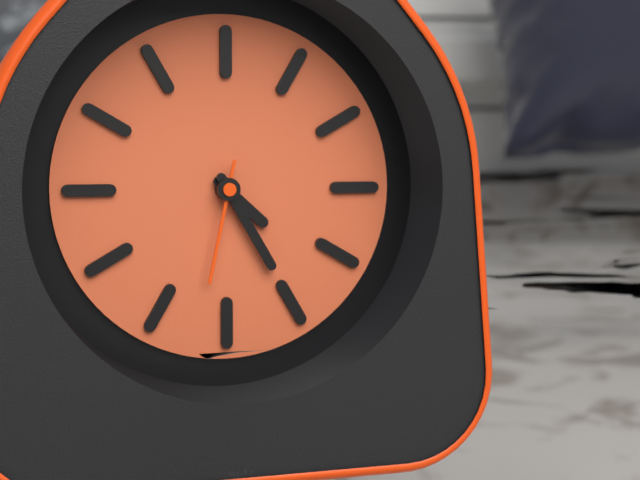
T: 4 h 25 min 32 s
